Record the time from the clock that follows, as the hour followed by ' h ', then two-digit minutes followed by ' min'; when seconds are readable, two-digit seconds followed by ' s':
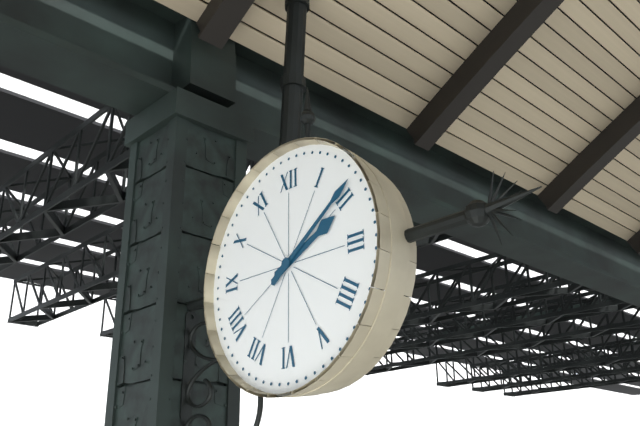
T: 2 h 09 min
